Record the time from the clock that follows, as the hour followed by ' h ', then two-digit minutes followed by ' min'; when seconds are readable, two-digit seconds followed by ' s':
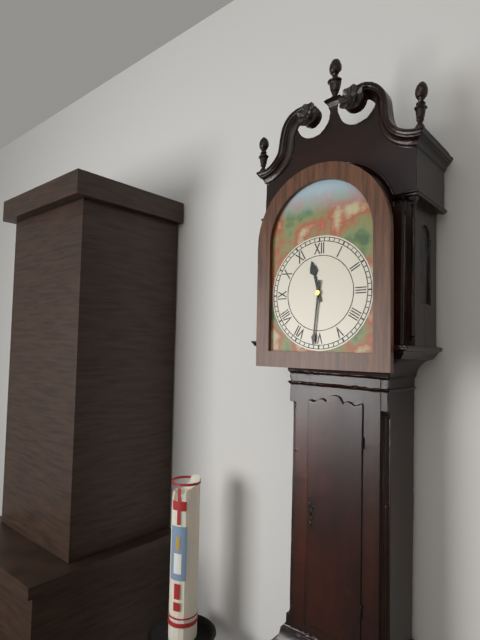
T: 11 h 31 min
